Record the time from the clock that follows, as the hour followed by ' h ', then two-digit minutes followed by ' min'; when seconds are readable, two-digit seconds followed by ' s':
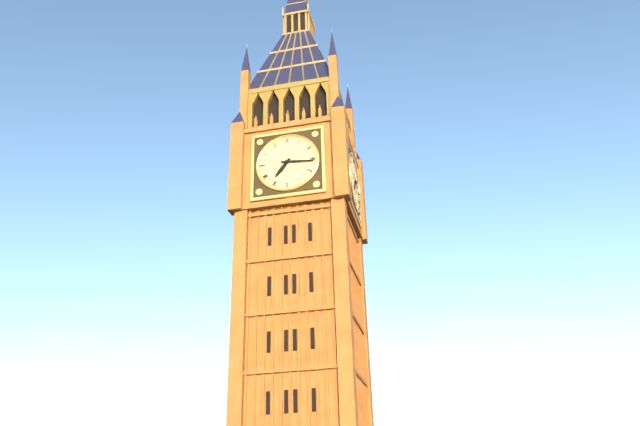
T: 7 h 16 min
